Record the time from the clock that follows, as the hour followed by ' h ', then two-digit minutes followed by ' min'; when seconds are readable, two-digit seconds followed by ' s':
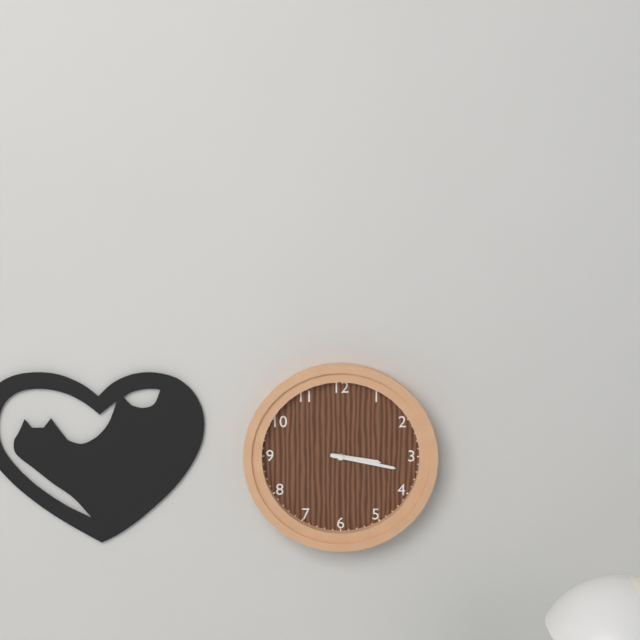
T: 3 h 17 min
